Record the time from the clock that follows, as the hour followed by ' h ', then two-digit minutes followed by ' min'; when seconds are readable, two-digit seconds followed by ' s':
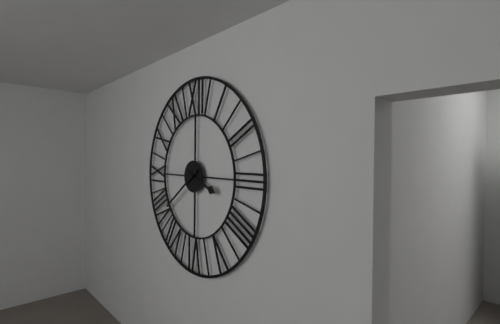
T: 3 h 39 min
